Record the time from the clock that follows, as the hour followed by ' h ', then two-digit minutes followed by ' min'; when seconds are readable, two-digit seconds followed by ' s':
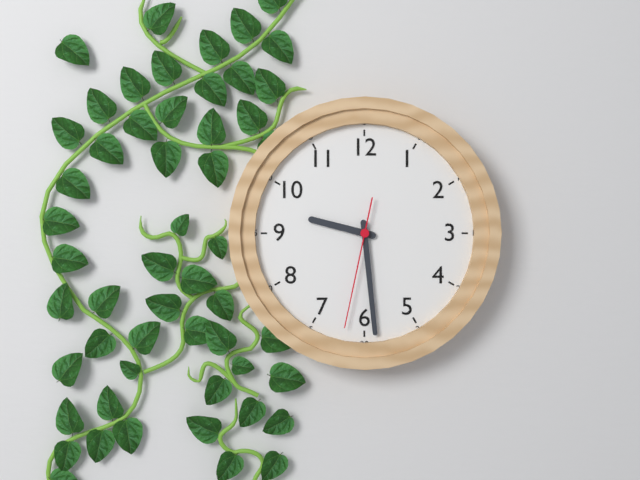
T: 9 h 29 min 32 s
